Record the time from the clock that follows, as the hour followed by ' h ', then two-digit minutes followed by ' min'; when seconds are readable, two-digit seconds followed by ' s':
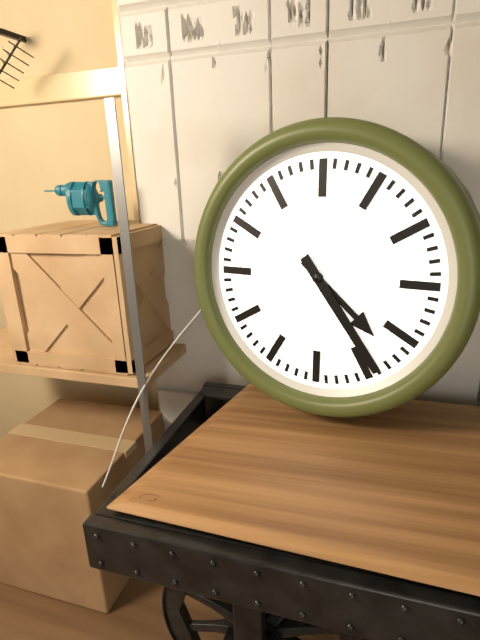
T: 4 h 24 min
